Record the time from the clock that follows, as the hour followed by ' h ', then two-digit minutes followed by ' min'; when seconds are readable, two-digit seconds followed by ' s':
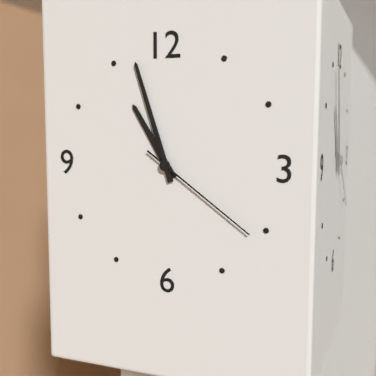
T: 10 h 57 min 21 s
